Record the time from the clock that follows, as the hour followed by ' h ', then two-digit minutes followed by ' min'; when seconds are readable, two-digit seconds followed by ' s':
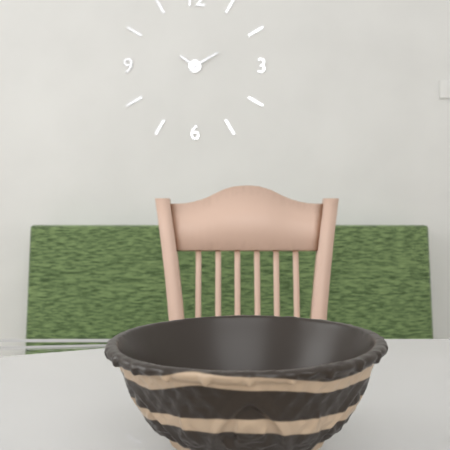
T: 10 h 10 min
